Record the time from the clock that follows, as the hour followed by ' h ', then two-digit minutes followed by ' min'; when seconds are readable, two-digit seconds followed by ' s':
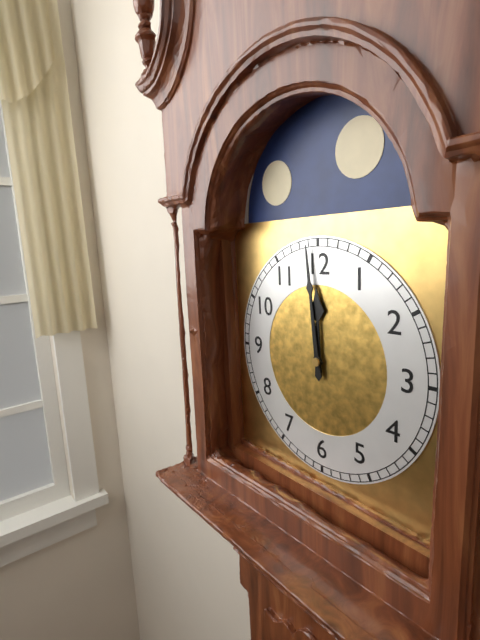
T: 11 h 59 min
